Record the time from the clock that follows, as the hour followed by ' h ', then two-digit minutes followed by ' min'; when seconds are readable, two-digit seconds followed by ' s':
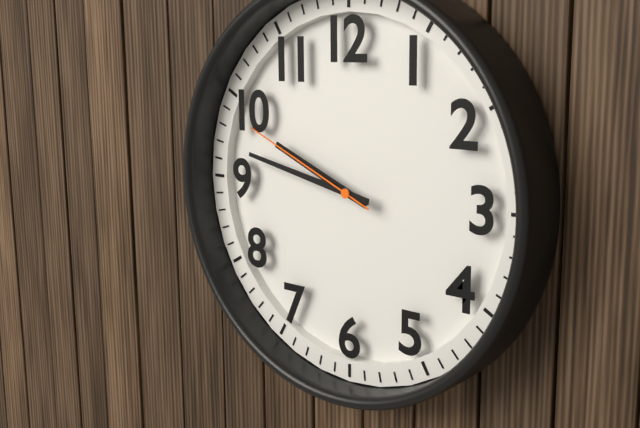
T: 9 h 47 min 49 s
